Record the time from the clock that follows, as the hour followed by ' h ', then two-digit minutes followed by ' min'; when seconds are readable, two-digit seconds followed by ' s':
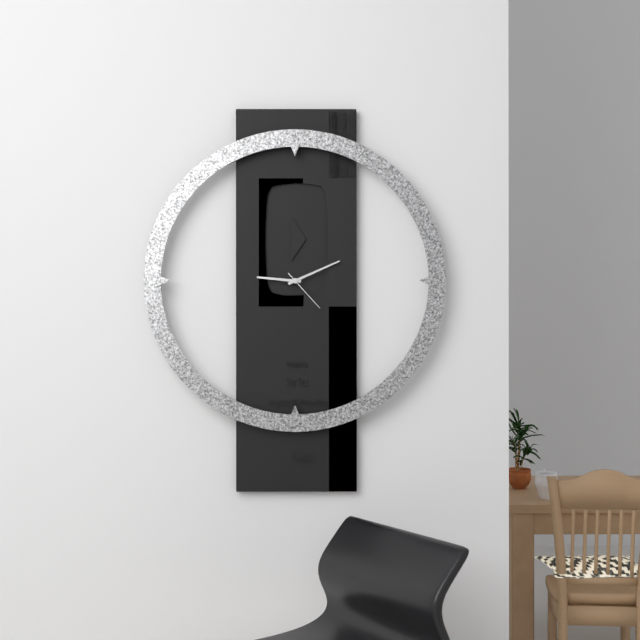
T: 9 h 11 min
